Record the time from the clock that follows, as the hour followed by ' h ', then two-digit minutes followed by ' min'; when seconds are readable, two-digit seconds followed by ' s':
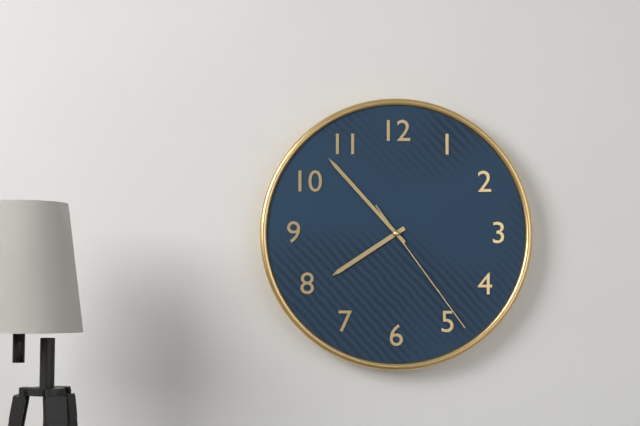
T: 7 h 53 min 24 s
